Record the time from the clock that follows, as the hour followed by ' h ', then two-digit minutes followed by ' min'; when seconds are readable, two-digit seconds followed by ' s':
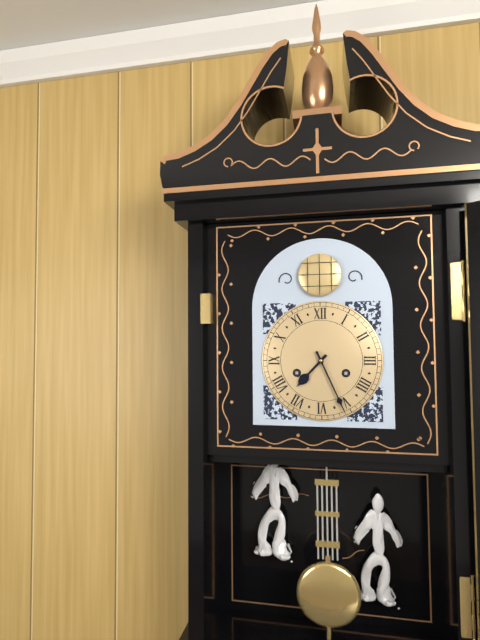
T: 7 h 26 min
